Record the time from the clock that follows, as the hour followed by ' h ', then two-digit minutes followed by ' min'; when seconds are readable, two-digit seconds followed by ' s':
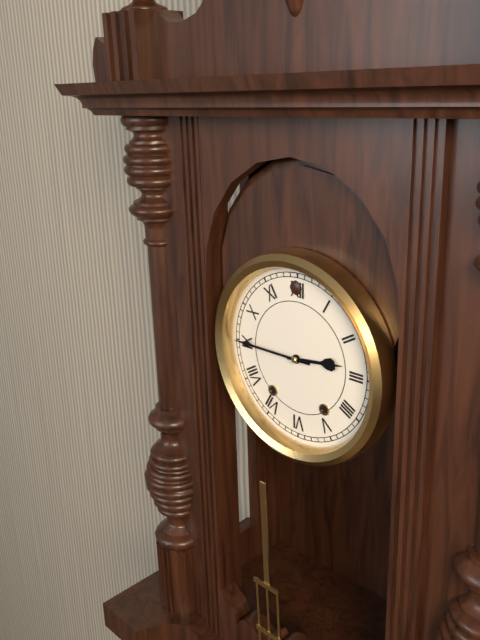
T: 2 h 45 min
